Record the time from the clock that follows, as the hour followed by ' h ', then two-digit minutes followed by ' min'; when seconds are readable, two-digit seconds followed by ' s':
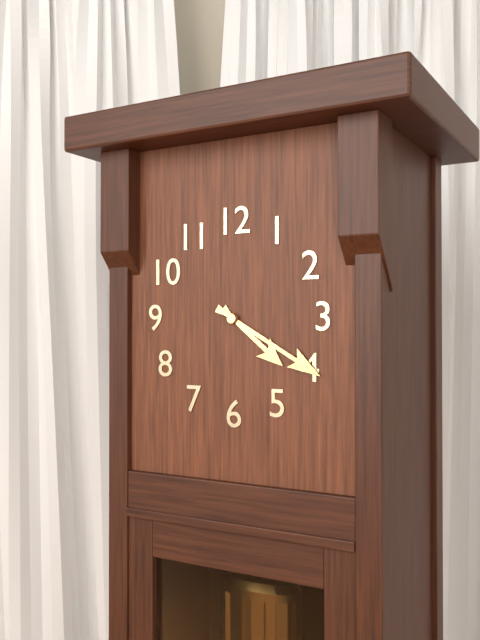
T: 4 h 20 min
